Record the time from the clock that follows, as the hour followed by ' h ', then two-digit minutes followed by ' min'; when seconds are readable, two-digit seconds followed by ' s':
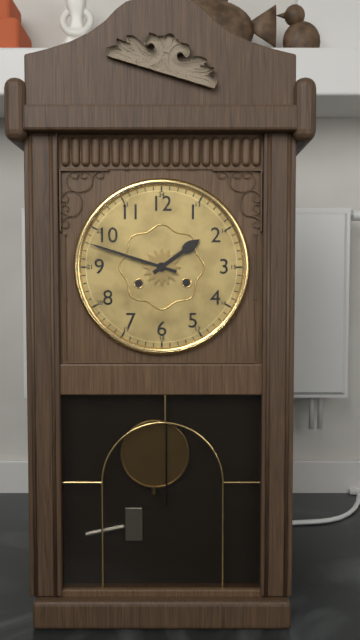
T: 1 h 48 min
